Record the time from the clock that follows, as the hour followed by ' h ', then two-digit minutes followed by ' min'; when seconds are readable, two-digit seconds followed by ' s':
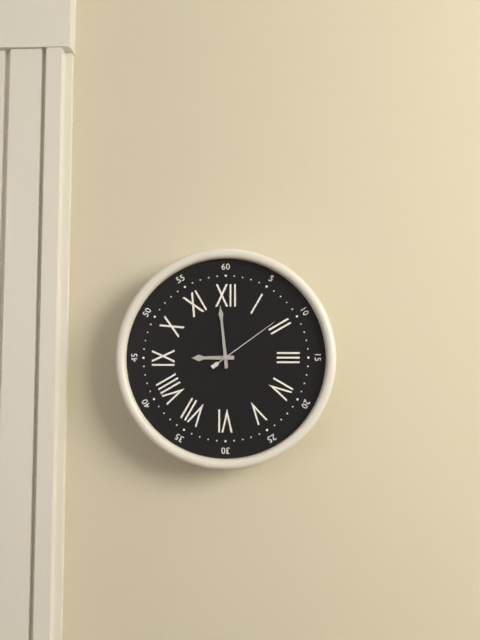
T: 8 h 59 min 09 s
